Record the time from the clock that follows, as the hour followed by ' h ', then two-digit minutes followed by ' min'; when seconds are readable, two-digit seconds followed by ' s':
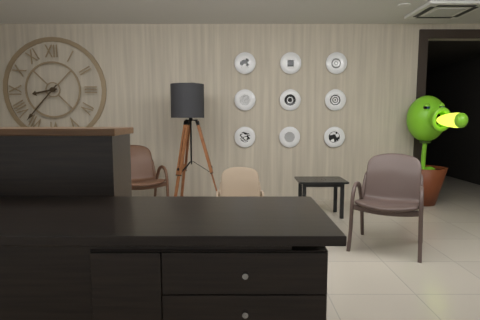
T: 8 h 37 min
